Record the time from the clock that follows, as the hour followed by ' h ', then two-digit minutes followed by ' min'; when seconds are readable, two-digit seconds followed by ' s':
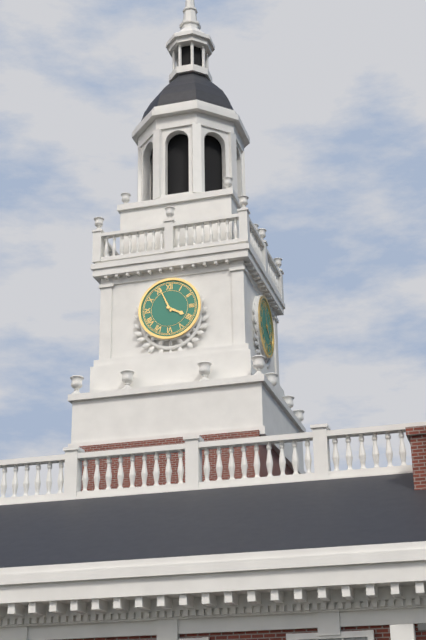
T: 3 h 56 min
